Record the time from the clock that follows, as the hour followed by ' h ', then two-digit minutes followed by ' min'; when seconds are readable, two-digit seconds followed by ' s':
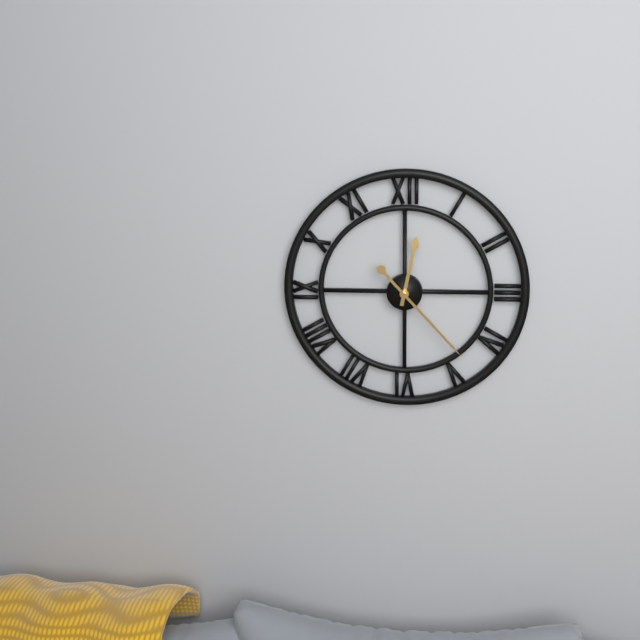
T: 12 h 23 min
